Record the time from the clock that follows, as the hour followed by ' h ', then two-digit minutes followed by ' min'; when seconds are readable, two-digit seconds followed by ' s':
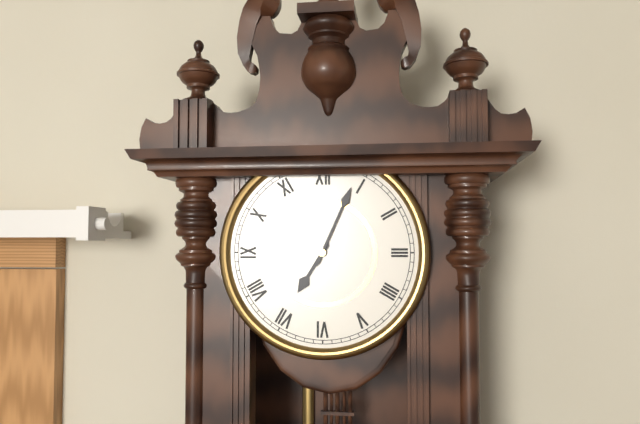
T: 7 h 04 min
